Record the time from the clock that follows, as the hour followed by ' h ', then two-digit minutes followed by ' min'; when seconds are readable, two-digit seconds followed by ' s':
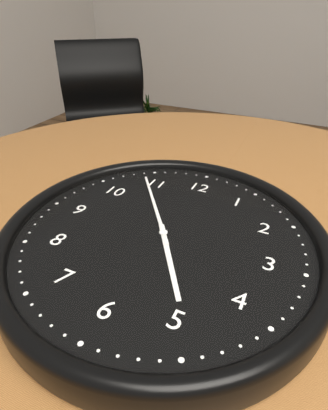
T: 4 h 54 min
